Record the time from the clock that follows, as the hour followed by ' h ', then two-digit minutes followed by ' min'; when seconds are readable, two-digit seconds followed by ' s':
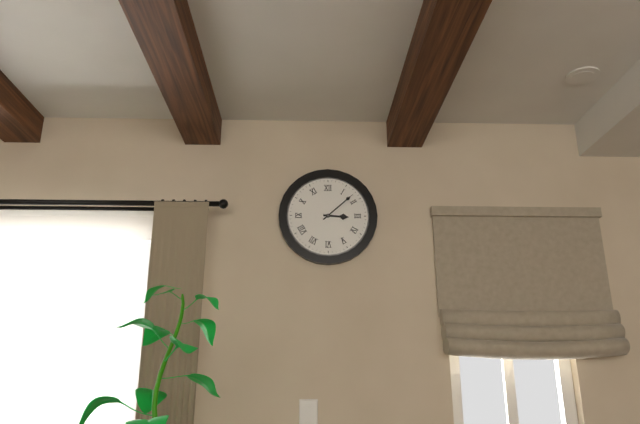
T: 3 h 08 min
